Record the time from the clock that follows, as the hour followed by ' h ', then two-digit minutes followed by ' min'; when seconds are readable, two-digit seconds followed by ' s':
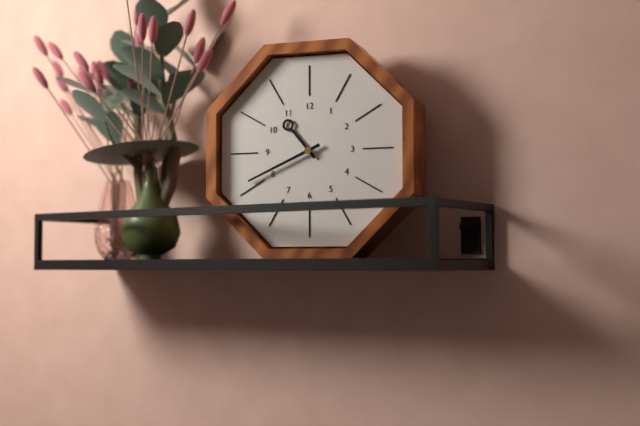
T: 10 h 41 min
